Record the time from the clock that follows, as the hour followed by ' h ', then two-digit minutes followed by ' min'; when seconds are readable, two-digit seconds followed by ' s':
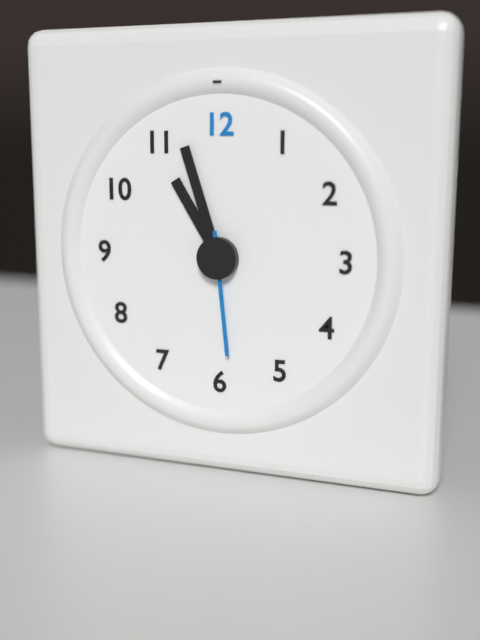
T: 10 h 57 min 29 s
